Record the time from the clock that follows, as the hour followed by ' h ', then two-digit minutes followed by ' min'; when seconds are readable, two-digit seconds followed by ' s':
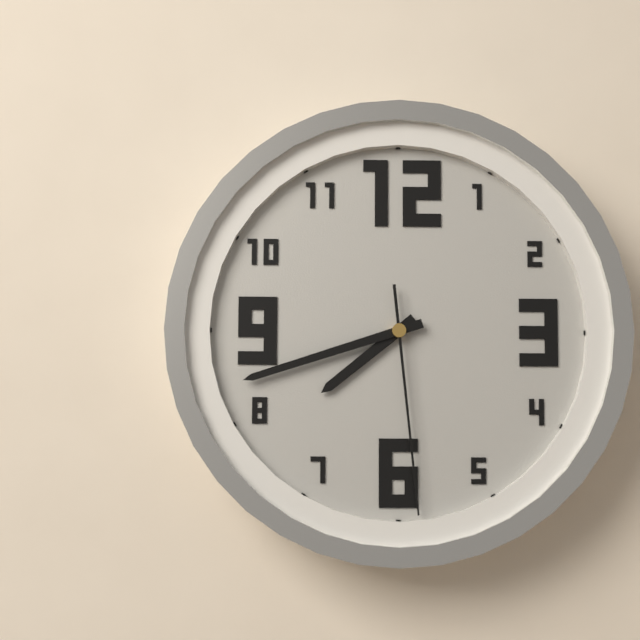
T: 7 h 42 min 29 s
